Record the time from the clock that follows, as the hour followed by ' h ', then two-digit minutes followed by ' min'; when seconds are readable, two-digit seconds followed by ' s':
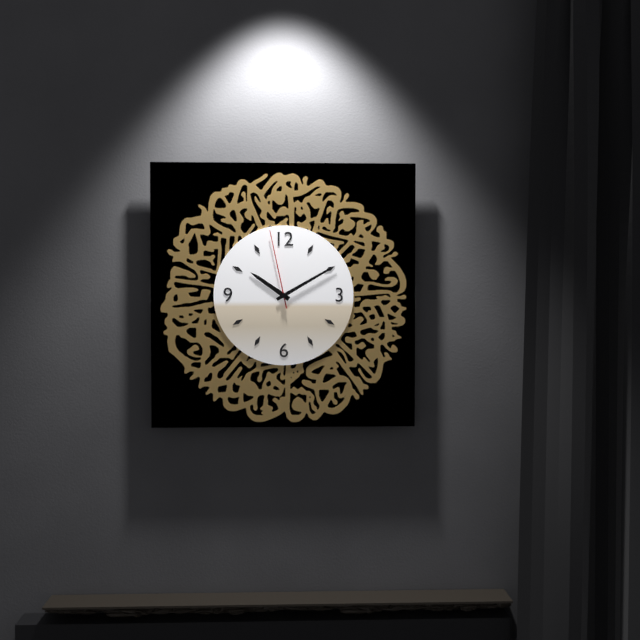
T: 10 h 10 min 58 s
